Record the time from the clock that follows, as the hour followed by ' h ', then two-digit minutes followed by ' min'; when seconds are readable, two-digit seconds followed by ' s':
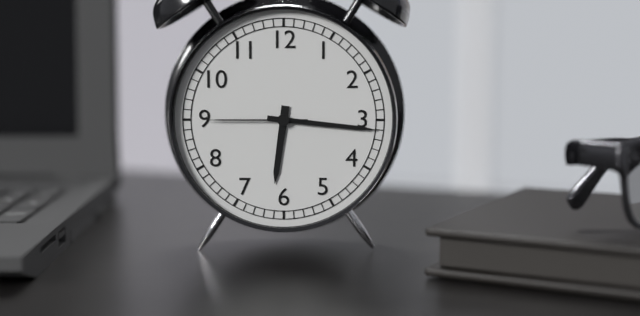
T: 6 h 16 min 45 s
